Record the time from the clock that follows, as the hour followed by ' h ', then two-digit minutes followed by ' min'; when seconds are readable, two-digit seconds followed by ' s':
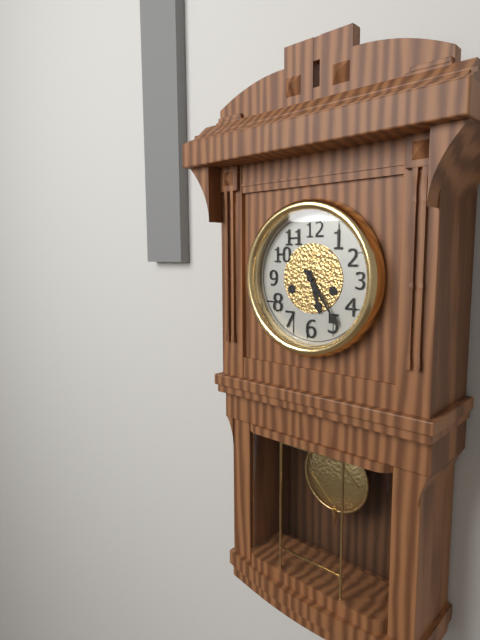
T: 5 h 24 min
